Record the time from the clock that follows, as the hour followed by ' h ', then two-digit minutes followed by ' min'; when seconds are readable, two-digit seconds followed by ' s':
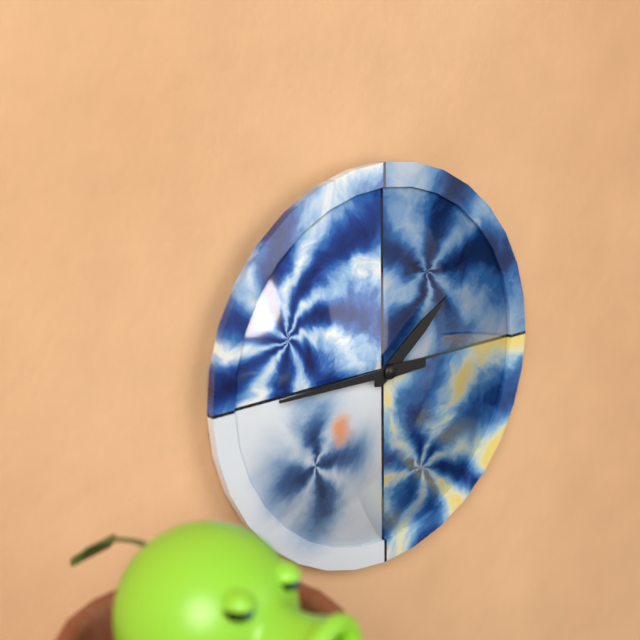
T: 1 h 45 min
